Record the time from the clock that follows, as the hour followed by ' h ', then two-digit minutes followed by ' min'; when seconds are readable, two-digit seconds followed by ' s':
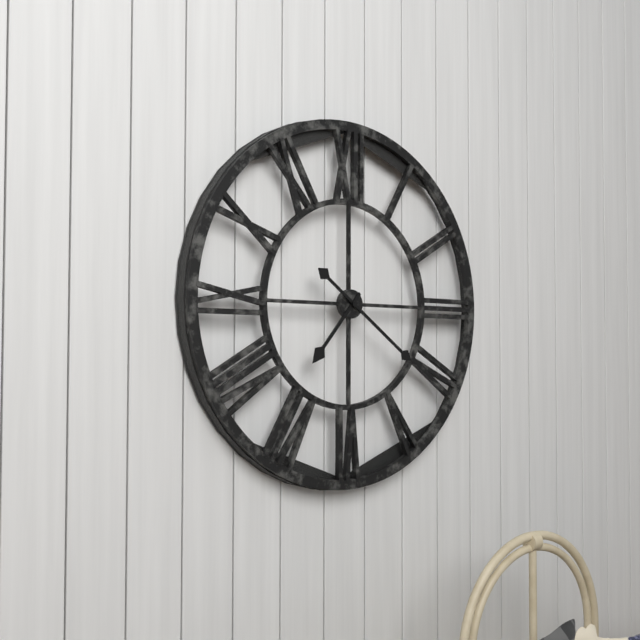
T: 7 h 21 min
